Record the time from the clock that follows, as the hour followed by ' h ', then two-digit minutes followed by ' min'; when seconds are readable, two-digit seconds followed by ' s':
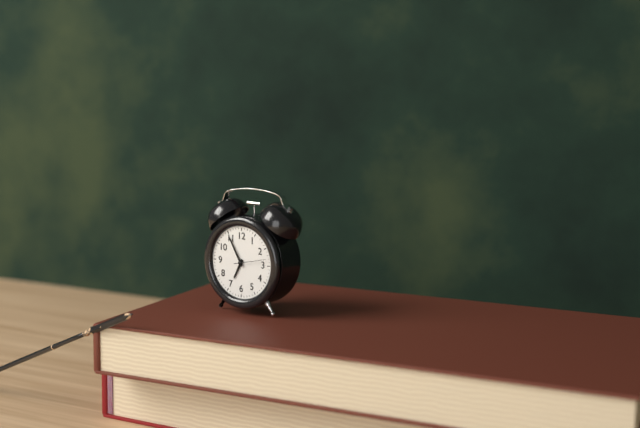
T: 6 h 55 min
